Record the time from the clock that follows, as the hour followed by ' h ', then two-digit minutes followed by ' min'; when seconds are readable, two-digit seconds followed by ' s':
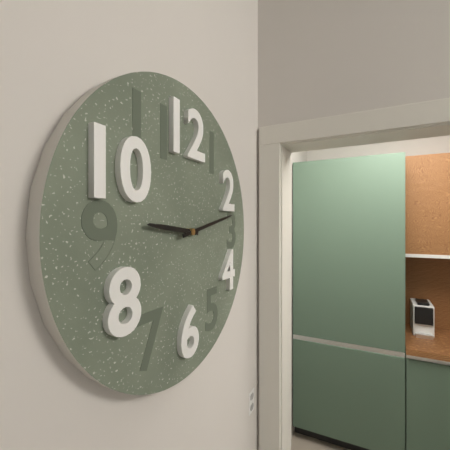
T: 9 h 13 min
